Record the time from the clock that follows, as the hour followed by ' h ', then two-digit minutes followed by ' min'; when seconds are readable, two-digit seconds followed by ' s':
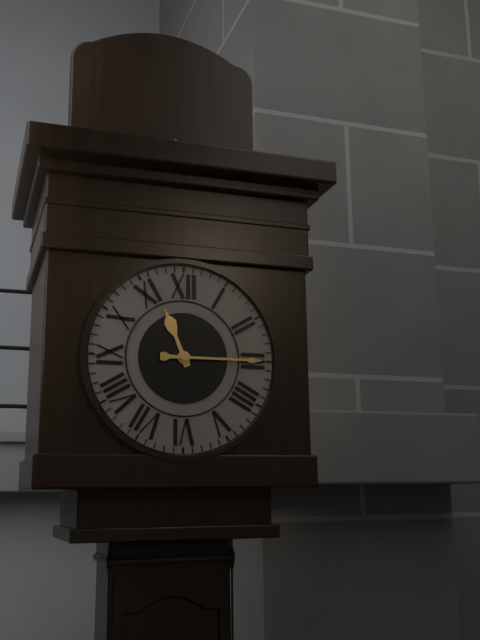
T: 11 h 15 min
